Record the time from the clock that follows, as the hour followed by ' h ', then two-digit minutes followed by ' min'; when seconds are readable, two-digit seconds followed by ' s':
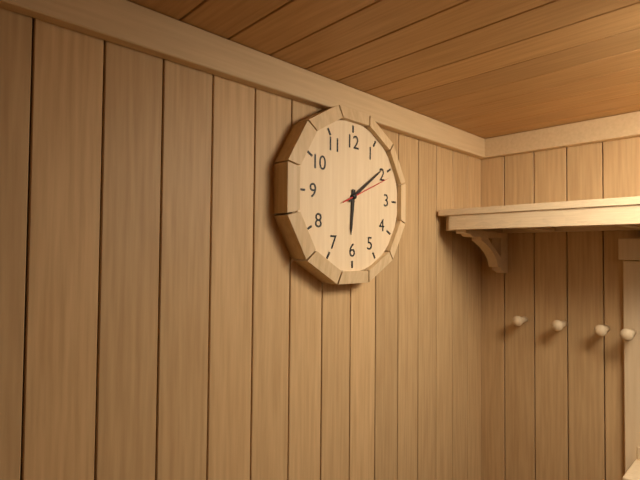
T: 6 h 09 min
